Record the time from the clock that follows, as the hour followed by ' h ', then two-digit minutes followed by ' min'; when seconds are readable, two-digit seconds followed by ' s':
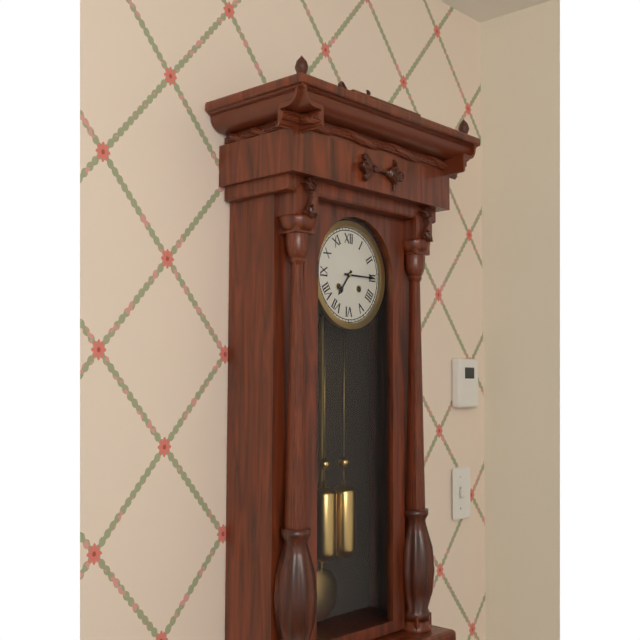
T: 7 h 15 min
